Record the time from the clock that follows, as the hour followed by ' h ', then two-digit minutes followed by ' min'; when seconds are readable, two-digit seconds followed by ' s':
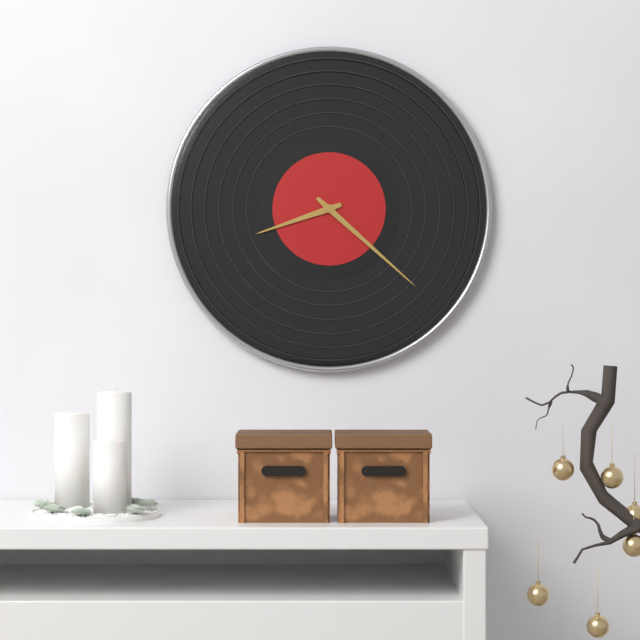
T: 8 h 22 min
